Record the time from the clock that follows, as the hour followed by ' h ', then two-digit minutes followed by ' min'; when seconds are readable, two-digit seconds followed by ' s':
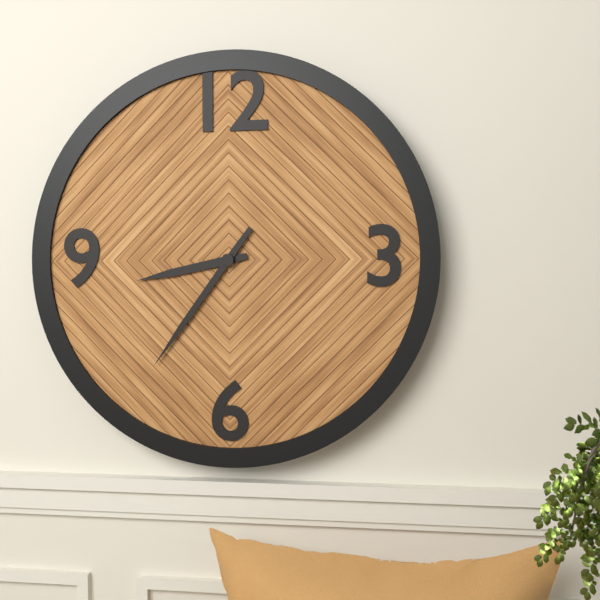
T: 8 h 36 min
